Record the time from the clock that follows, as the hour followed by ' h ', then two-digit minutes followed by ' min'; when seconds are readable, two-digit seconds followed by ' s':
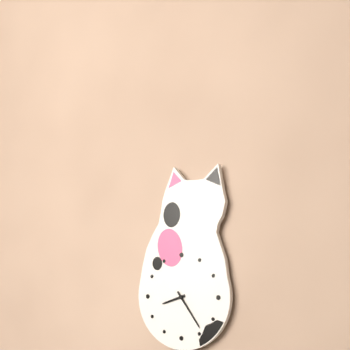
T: 8 h 24 min
